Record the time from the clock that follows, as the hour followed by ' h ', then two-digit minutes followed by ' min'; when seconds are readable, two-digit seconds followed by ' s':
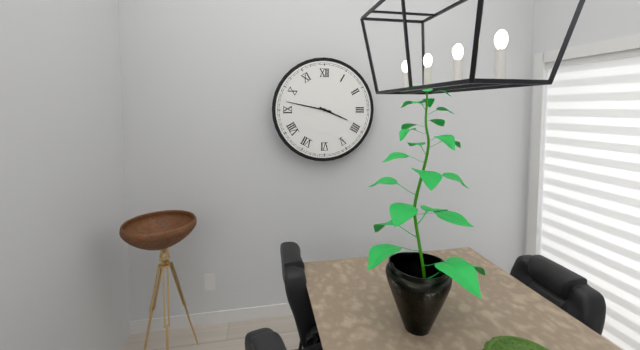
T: 3 h 47 min
